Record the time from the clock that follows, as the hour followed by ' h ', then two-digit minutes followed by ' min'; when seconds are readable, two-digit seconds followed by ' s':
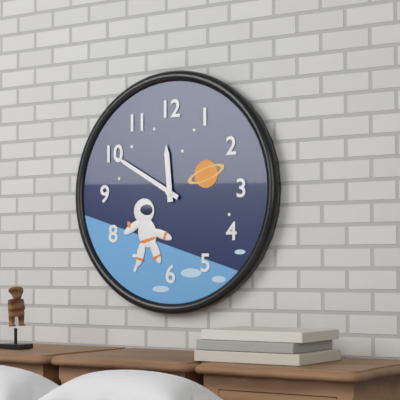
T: 11 h 50 min
